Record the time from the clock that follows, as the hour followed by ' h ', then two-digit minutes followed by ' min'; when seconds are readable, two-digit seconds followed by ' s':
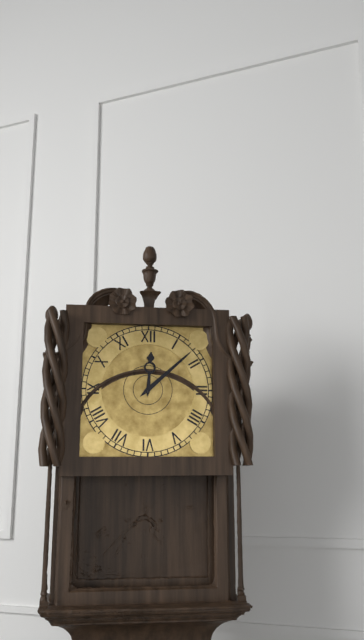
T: 12 h 08 min
